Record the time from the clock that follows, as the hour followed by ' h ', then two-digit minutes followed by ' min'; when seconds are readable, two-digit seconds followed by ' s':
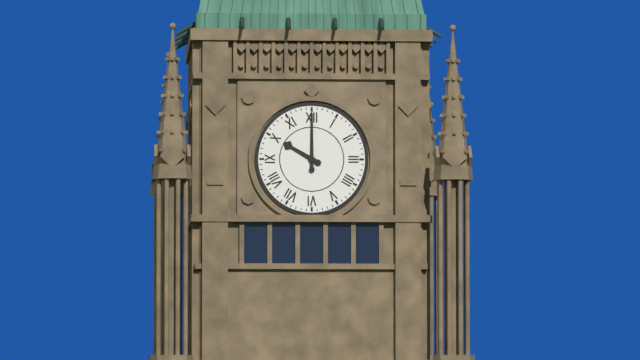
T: 10 h 00 min
